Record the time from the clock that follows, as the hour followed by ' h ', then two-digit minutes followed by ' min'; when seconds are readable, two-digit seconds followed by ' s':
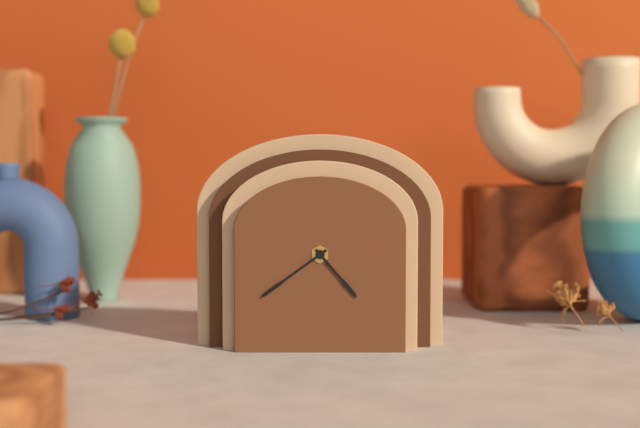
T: 4 h 39 min
